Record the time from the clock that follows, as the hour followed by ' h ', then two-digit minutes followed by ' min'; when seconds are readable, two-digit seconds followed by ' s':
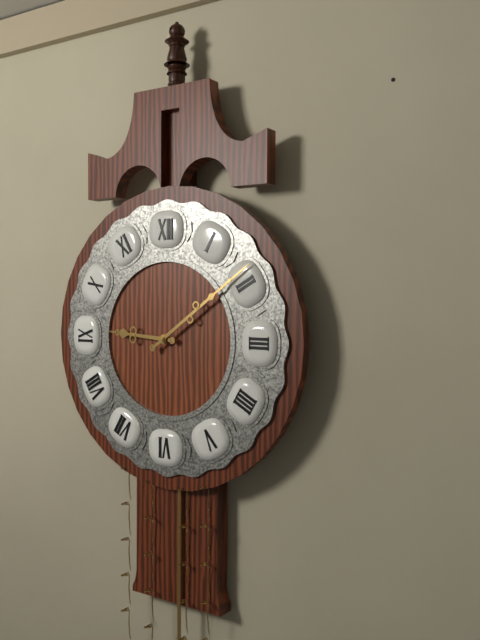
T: 9 h 09 min
